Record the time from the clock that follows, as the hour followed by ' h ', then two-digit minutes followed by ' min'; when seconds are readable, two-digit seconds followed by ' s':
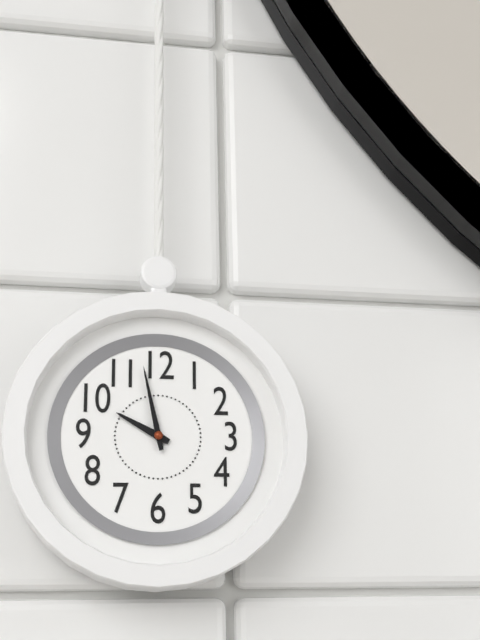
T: 9 h 58 min
